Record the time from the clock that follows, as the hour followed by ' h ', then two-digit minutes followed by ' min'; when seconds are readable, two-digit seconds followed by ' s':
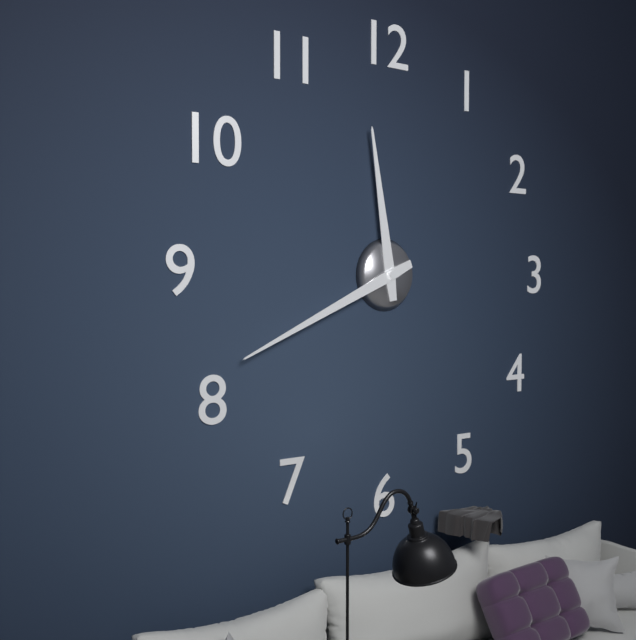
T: 11 h 41 min
